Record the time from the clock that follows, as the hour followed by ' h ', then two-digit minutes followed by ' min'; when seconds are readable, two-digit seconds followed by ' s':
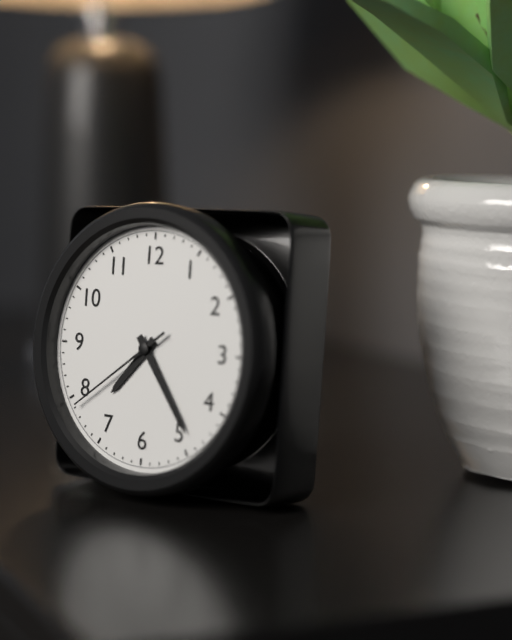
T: 7 h 24 min 39 s
